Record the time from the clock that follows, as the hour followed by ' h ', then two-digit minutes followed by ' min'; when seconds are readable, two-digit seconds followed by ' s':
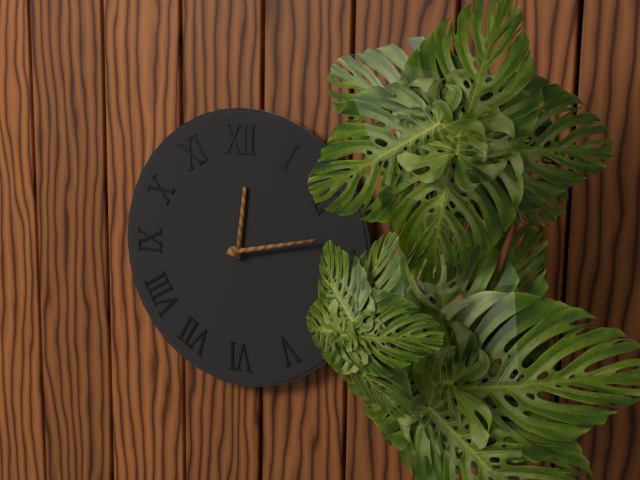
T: 12 h 13 min
